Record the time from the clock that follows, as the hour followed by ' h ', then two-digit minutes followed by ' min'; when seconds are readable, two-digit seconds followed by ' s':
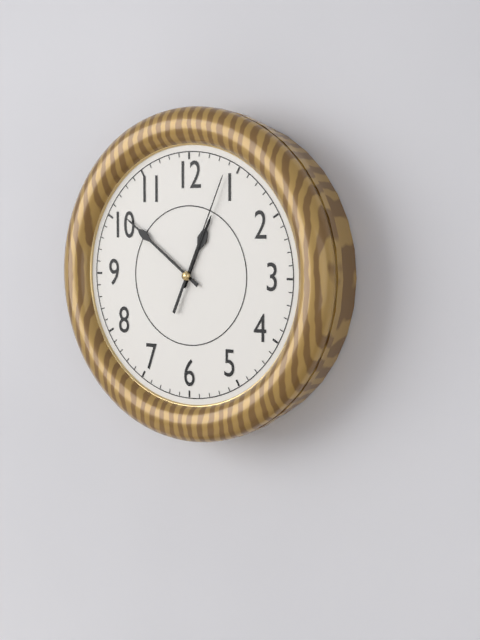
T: 12 h 51 min 04 s
